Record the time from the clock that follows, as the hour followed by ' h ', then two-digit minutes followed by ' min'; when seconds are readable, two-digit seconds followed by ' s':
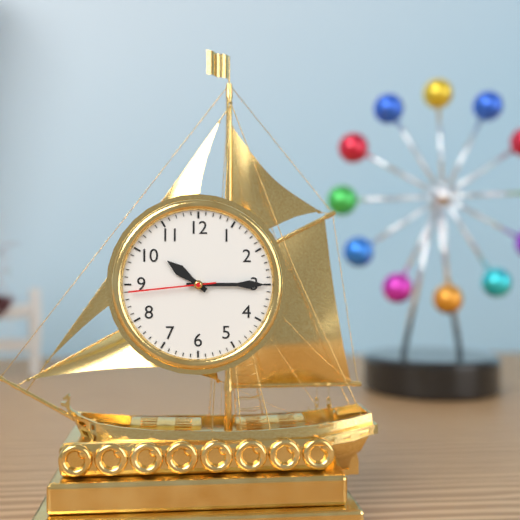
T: 10 h 15 min 44 s
